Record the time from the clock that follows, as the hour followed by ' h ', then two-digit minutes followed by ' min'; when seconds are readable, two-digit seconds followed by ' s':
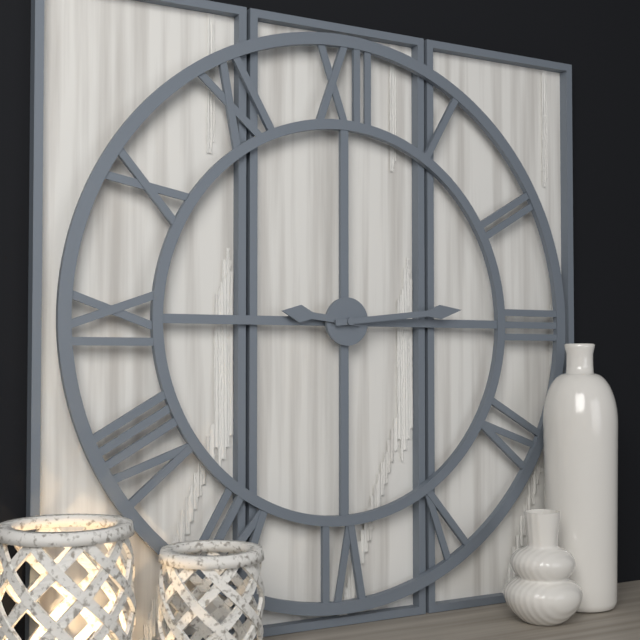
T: 9 h 14 min
